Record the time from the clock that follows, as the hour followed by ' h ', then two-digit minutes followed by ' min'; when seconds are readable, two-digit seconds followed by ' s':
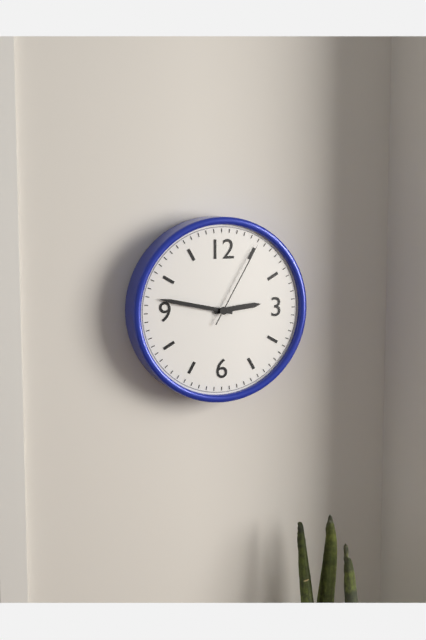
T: 2 h 47 min 05 s
